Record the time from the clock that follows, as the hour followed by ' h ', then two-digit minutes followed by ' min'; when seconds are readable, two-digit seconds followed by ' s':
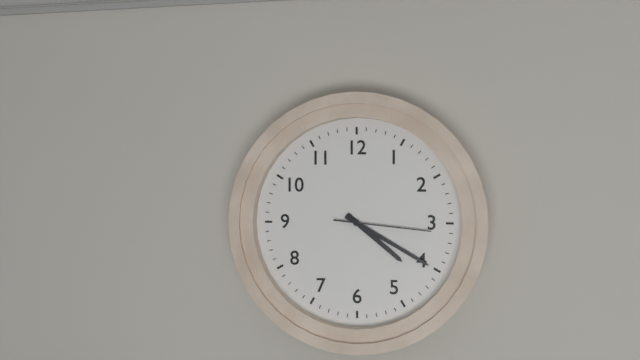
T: 4 h 20 min 16 s
